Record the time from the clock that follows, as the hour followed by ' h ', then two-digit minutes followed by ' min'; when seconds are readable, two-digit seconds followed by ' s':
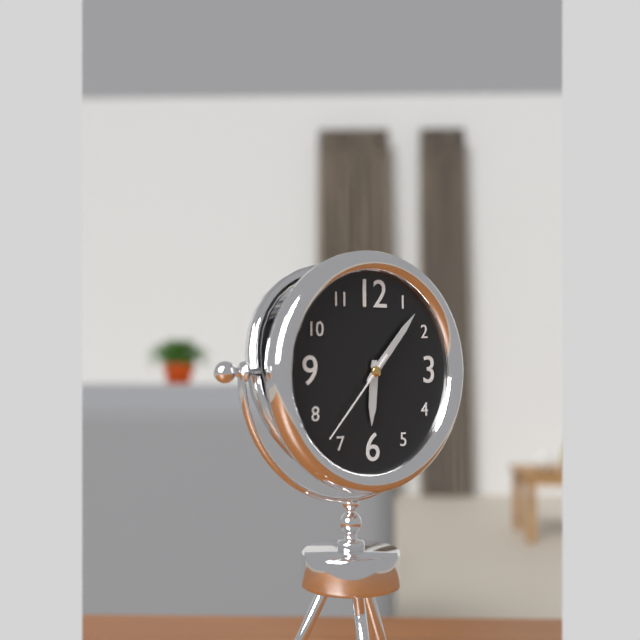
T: 6 h 07 min 37 s
